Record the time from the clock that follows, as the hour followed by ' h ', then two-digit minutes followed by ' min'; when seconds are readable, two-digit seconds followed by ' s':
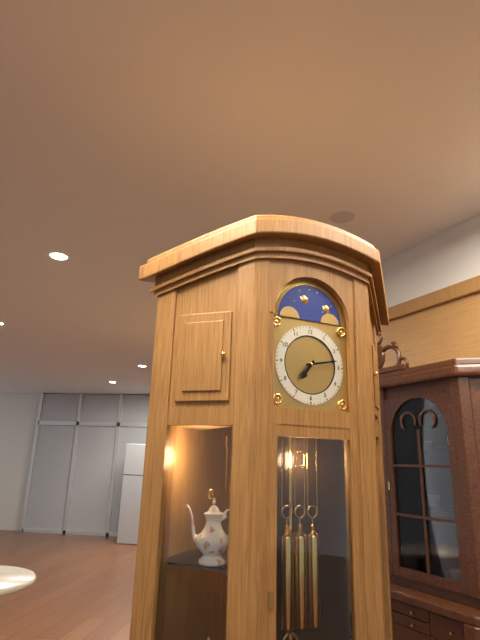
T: 7 h 13 min
